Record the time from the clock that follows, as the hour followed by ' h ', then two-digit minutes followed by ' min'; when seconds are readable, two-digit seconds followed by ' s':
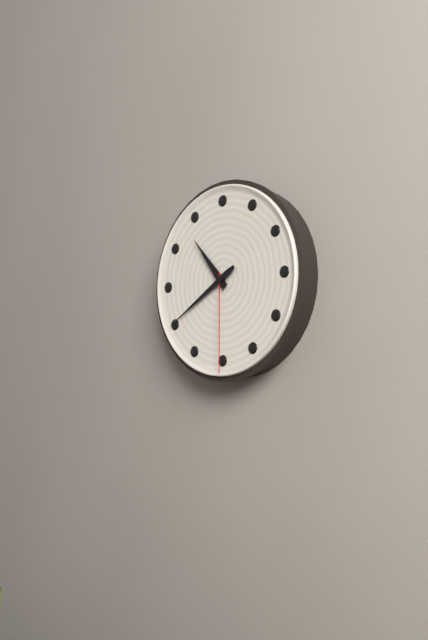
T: 10 h 40 min 30 s
